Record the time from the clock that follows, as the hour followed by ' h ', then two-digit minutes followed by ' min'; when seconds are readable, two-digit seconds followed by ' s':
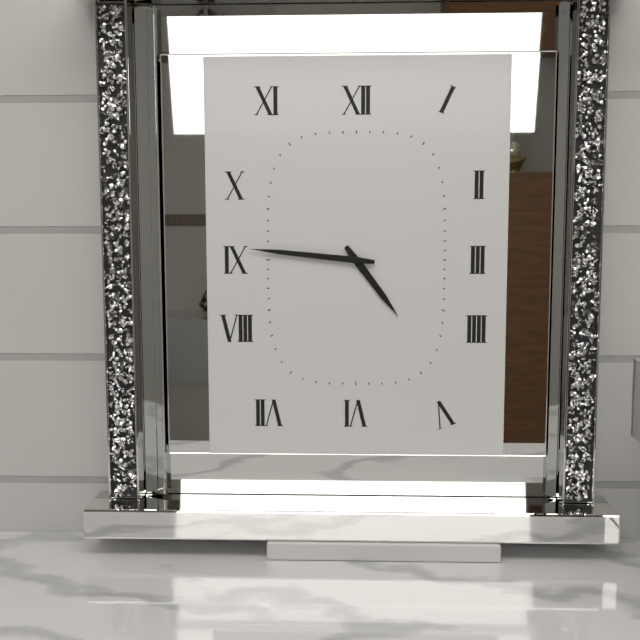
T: 4 h 46 min
